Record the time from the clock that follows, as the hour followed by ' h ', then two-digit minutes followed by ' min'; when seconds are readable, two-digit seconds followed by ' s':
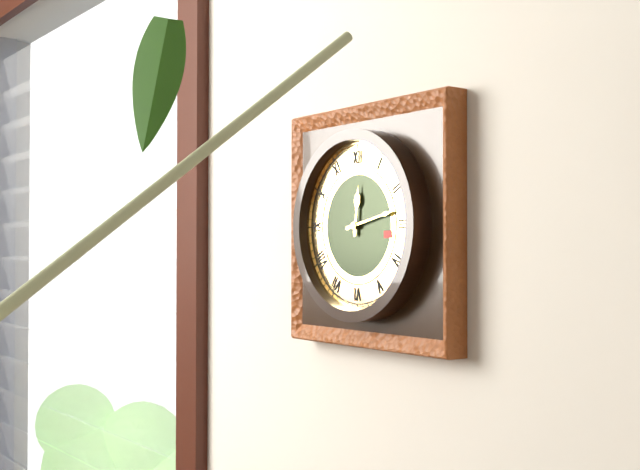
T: 12 h 13 min
